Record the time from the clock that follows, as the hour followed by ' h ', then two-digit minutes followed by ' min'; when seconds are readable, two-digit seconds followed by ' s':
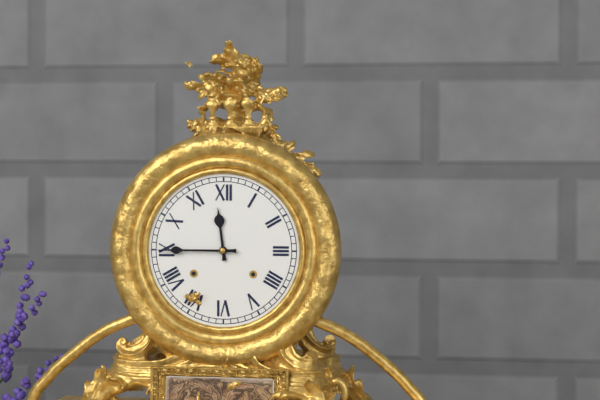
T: 11 h 45 min
